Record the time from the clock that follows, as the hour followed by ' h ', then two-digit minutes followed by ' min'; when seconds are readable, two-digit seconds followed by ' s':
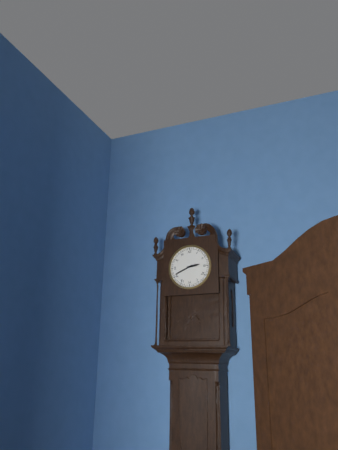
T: 2 h 41 min
